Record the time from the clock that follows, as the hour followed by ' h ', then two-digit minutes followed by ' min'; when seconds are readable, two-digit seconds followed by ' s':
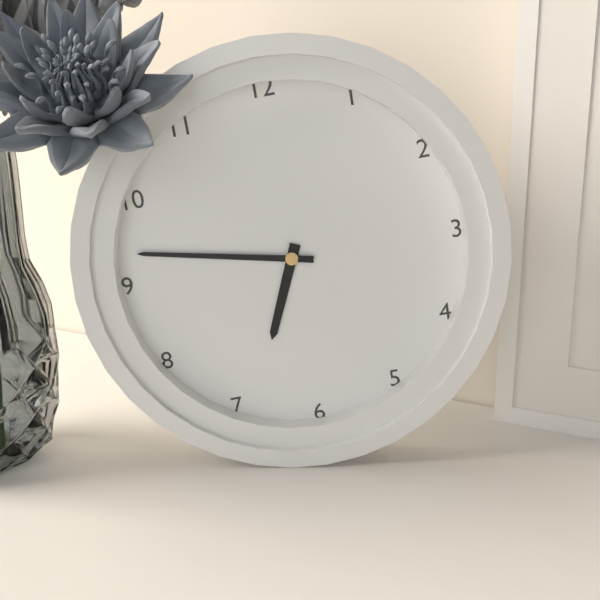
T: 6 h 47 min
